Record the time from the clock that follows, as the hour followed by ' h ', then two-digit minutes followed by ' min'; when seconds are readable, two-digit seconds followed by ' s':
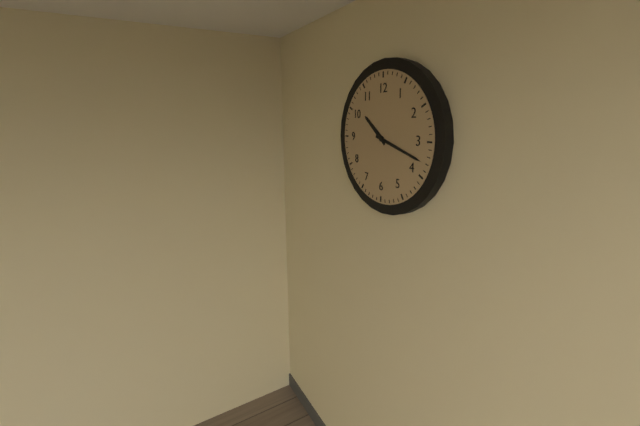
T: 10 h 18 min
